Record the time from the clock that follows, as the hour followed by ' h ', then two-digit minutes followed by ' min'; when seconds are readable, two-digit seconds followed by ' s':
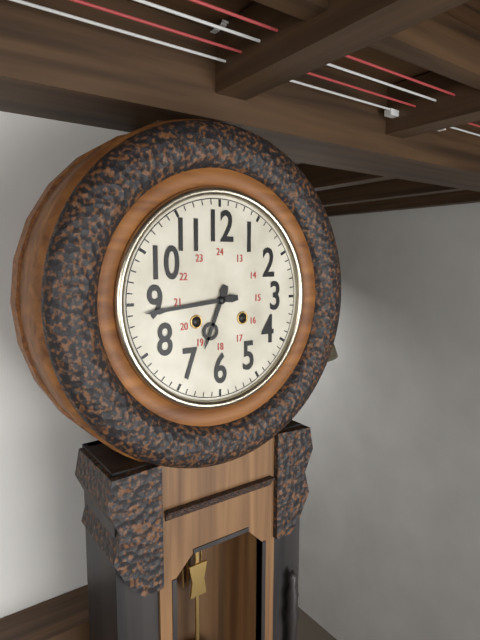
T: 6 h 44 min
